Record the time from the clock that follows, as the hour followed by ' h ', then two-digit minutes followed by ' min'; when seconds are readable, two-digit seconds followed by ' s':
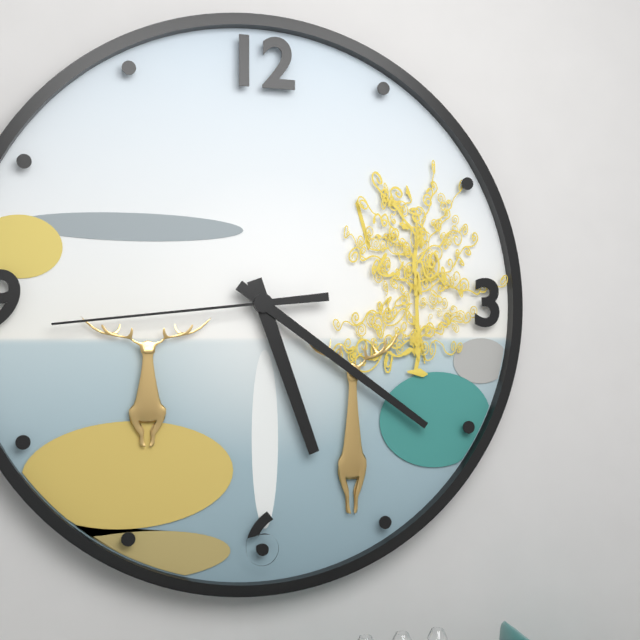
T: 5 h 21 min 44 s
